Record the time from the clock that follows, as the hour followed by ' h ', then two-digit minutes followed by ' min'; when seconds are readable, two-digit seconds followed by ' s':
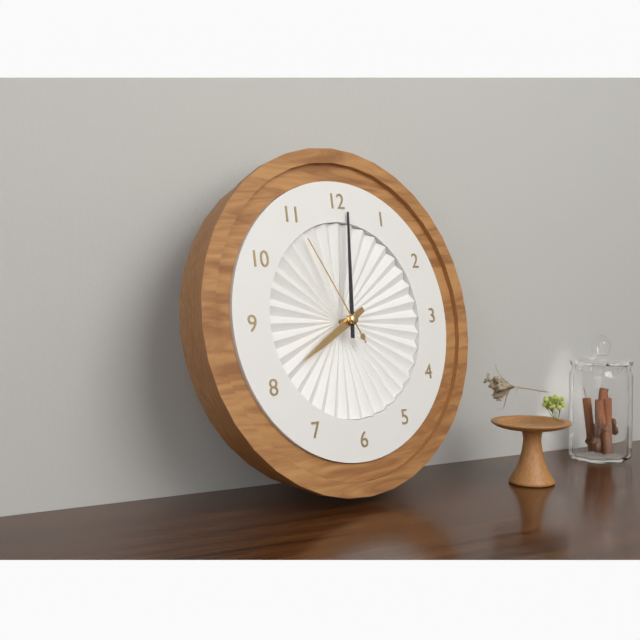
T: 8 h 01 min 55 s
